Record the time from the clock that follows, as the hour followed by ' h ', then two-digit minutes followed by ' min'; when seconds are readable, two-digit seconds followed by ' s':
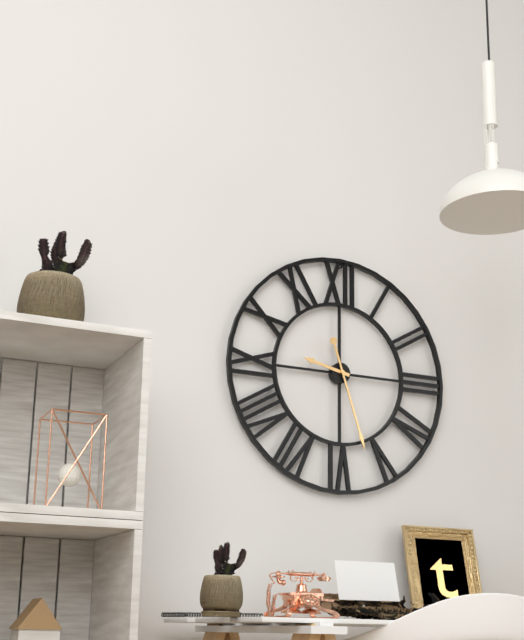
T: 9 h 27 min
